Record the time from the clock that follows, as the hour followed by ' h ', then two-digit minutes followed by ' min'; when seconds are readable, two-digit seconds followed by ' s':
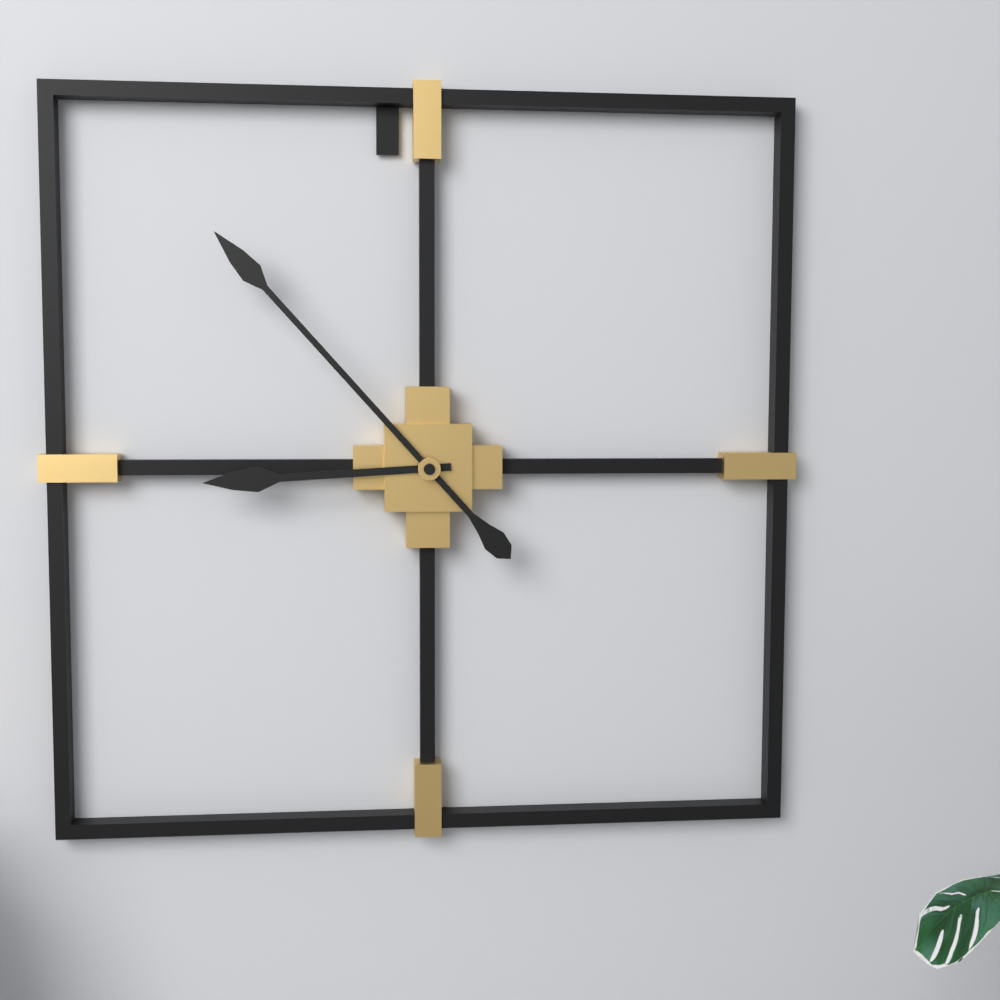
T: 8 h 53 min
